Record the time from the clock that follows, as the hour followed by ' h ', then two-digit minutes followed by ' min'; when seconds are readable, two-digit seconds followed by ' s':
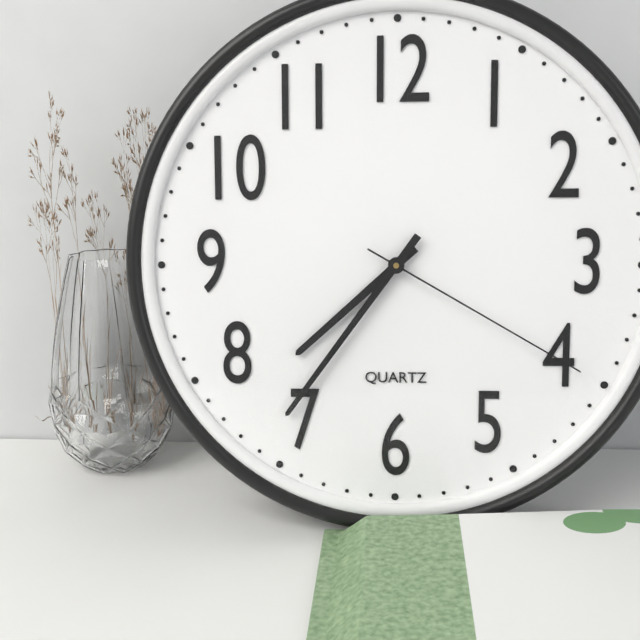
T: 7 h 36 min 20 s
